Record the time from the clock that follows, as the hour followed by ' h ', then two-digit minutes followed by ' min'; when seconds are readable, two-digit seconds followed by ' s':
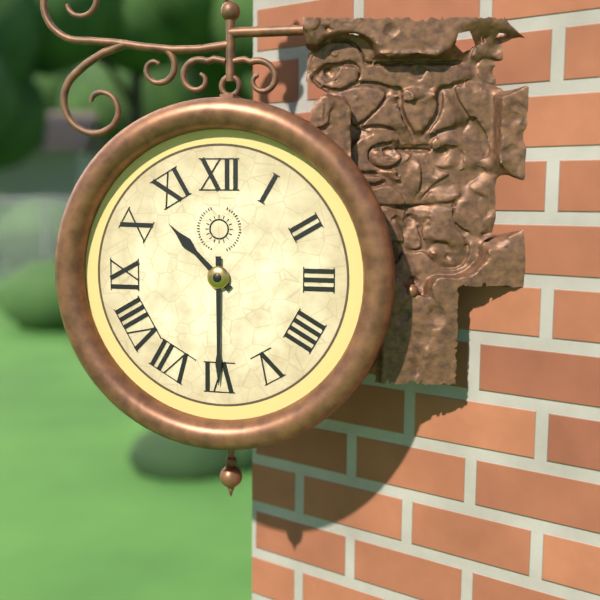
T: 10 h 30 min
